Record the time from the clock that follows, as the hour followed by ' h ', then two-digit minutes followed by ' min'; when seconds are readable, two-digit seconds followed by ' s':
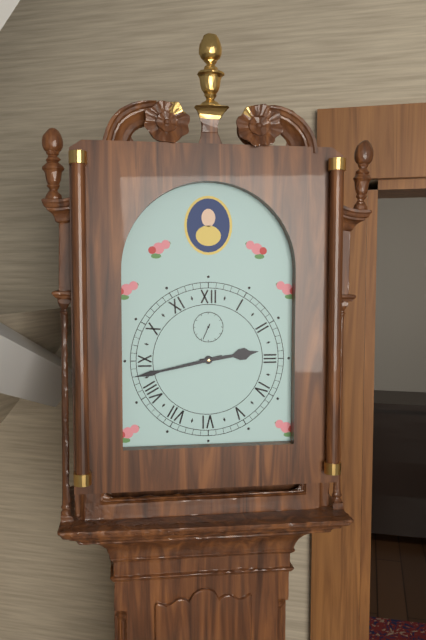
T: 2 h 43 min
